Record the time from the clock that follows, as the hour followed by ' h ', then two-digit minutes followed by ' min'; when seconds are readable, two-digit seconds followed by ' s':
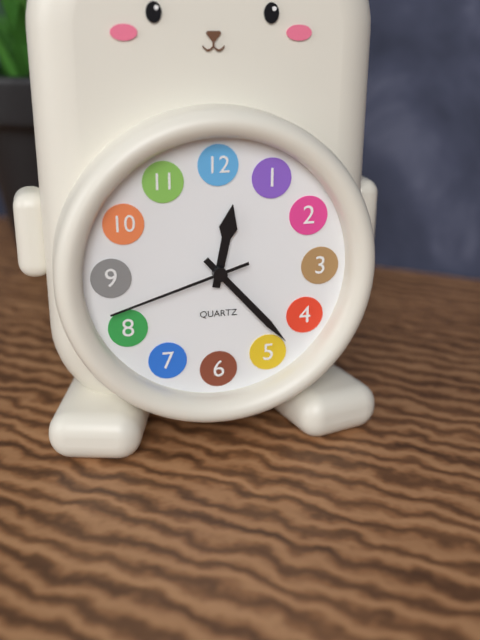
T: 12 h 23 min 42 s
